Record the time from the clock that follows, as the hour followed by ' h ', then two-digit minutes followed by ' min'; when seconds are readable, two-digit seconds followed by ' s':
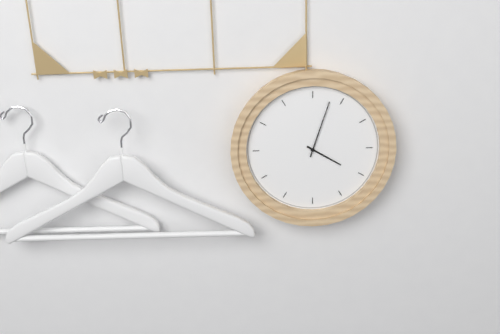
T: 4 h 03 min
